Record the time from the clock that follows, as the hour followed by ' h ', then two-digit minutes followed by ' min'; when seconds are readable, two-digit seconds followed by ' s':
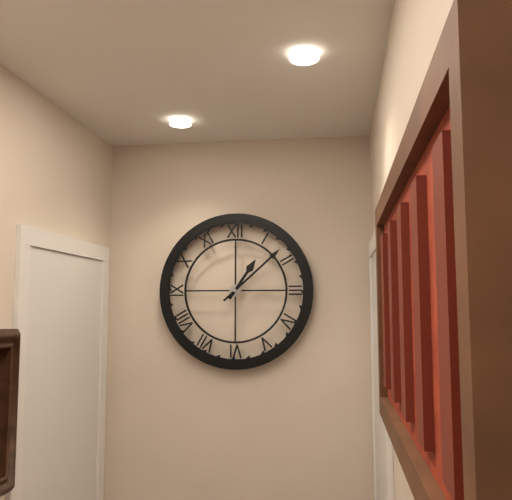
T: 1 h 08 min
